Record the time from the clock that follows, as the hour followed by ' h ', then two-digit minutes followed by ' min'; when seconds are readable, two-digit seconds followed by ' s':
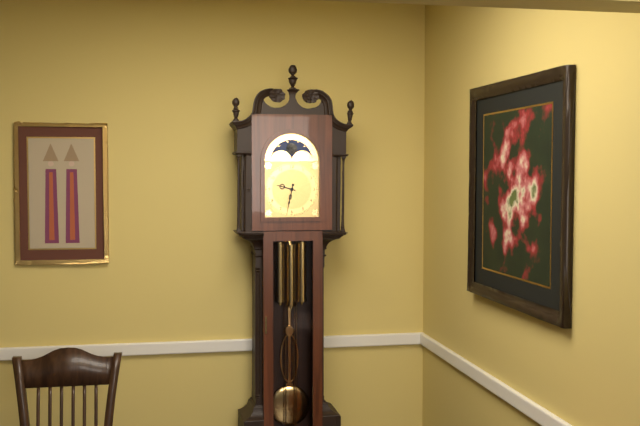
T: 9 h 32 min
